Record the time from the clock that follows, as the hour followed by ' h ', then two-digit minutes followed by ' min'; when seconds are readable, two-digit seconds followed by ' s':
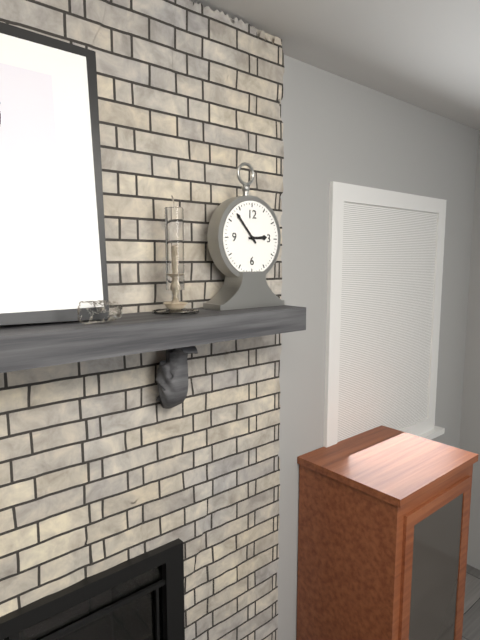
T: 2 h 53 min
